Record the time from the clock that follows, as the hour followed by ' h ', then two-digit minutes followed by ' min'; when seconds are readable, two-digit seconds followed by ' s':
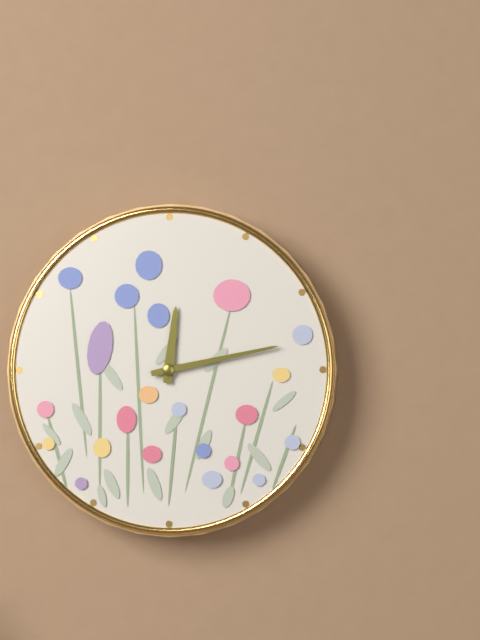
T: 12 h 13 min
